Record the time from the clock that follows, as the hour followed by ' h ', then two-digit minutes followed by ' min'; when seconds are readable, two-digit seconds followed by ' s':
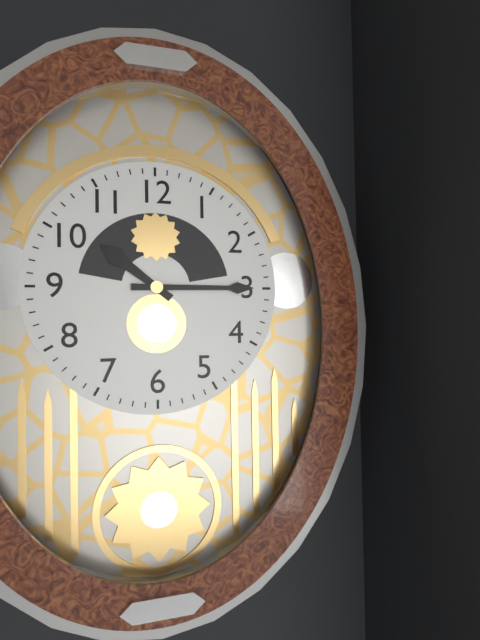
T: 10 h 15 min
